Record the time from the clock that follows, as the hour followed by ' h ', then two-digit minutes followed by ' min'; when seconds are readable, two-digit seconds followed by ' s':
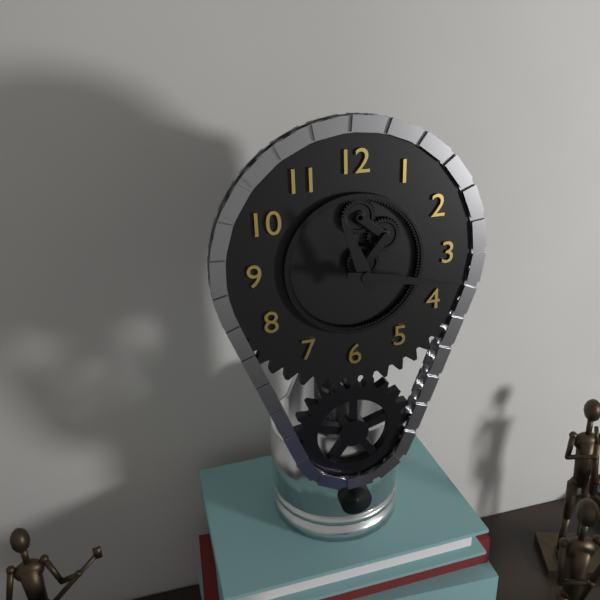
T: 11 h 17 min
